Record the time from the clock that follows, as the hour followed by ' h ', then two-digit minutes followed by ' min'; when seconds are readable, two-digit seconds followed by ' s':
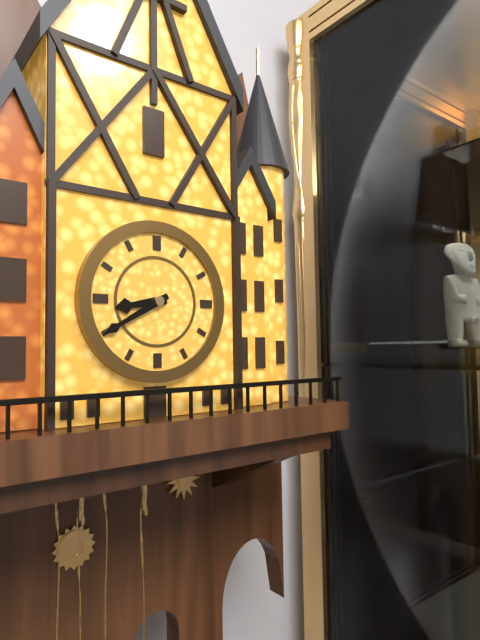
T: 8 h 40 min
